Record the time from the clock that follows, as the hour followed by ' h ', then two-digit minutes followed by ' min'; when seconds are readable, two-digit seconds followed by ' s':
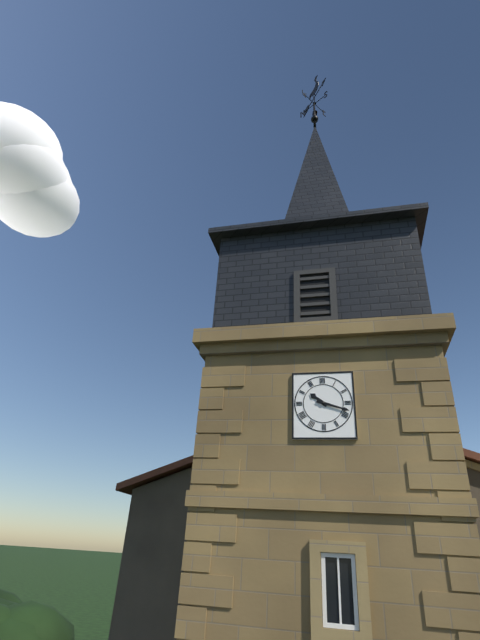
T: 10 h 18 min
